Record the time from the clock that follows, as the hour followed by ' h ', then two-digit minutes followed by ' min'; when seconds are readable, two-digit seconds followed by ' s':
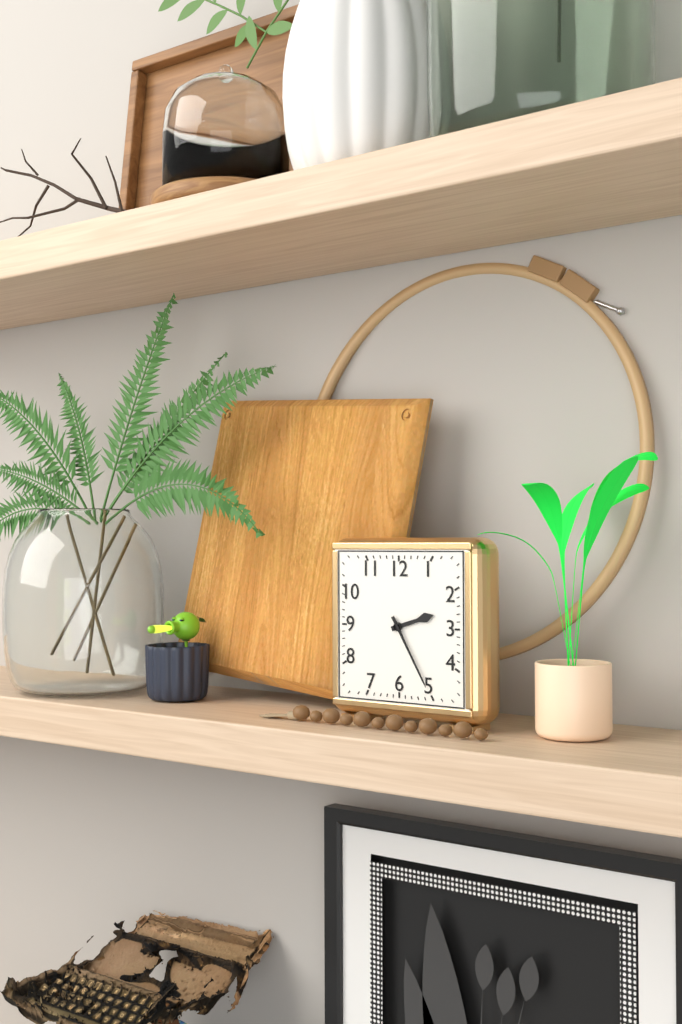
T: 2 h 25 min
